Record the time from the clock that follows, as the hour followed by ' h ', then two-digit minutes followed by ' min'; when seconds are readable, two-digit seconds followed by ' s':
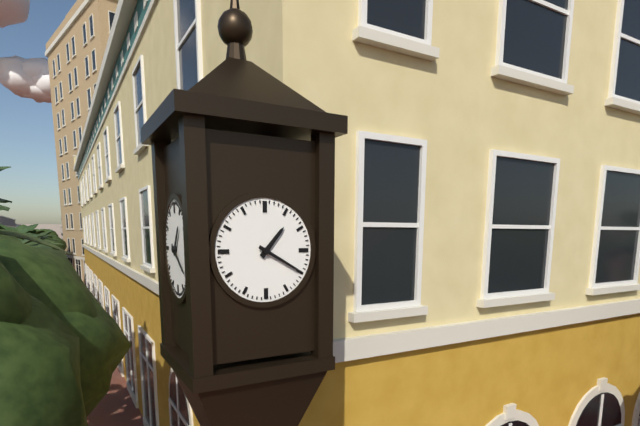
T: 1 h 20 min
